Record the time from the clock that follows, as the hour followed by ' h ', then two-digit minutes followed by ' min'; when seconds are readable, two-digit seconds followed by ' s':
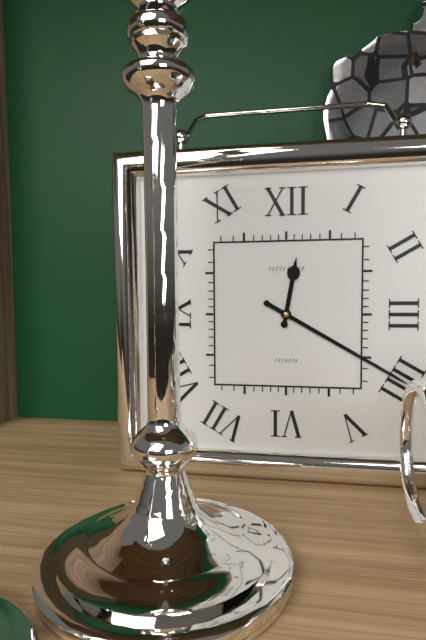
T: 12 h 20 min
